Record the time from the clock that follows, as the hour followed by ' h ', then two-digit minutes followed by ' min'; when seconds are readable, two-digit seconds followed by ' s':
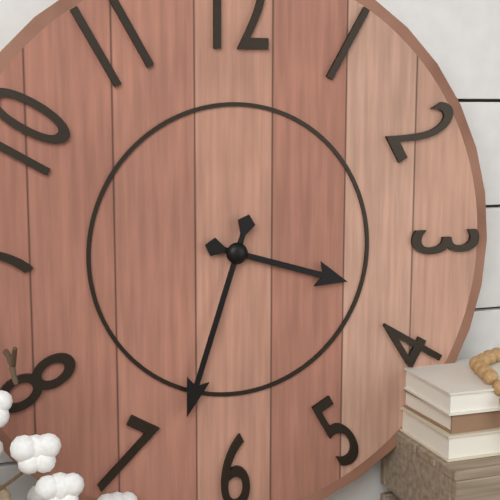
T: 3 h 33 min
